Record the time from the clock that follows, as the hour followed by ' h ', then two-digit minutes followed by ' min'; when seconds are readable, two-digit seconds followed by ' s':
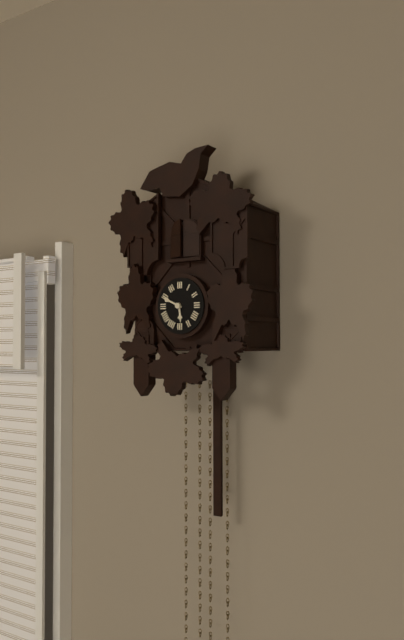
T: 5 h 49 min
